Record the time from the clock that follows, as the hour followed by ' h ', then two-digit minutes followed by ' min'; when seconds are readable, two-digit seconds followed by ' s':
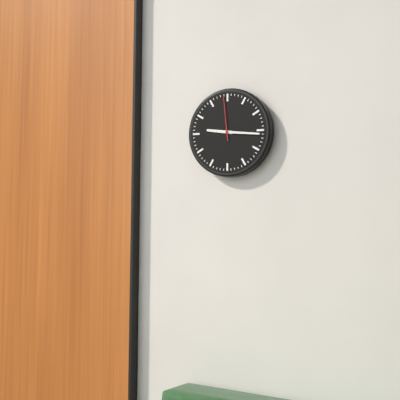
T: 9 h 16 min
